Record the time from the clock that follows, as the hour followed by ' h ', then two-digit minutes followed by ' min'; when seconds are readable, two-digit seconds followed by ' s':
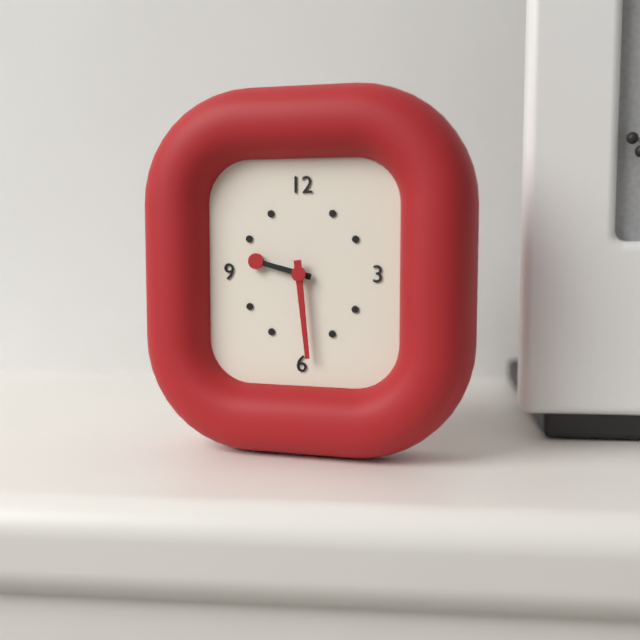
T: 9 h 29 min
